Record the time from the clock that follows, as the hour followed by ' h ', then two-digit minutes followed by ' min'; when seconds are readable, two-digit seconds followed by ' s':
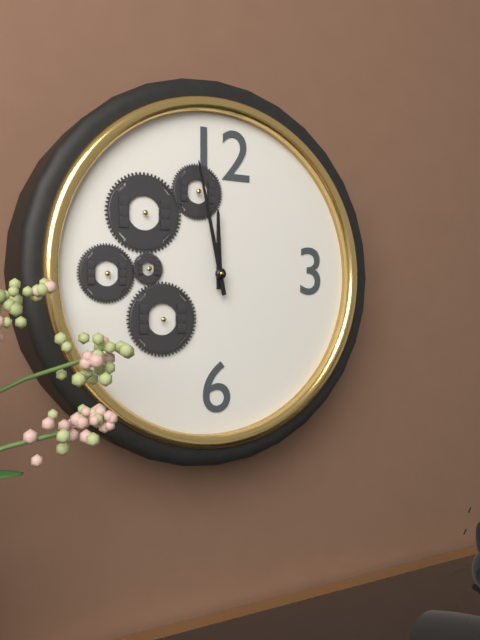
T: 11 h 58 min
